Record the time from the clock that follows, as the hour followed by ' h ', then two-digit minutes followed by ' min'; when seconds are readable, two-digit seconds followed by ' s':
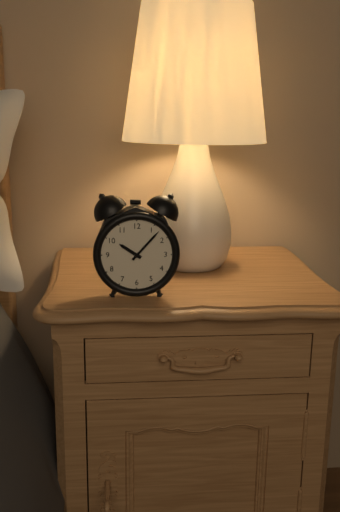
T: 10 h 07 min
